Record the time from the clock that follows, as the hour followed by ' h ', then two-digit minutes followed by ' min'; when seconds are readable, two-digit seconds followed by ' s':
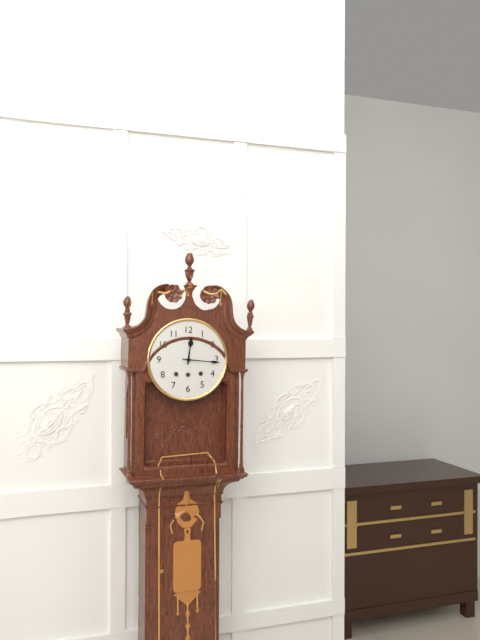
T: 12 h 16 min
